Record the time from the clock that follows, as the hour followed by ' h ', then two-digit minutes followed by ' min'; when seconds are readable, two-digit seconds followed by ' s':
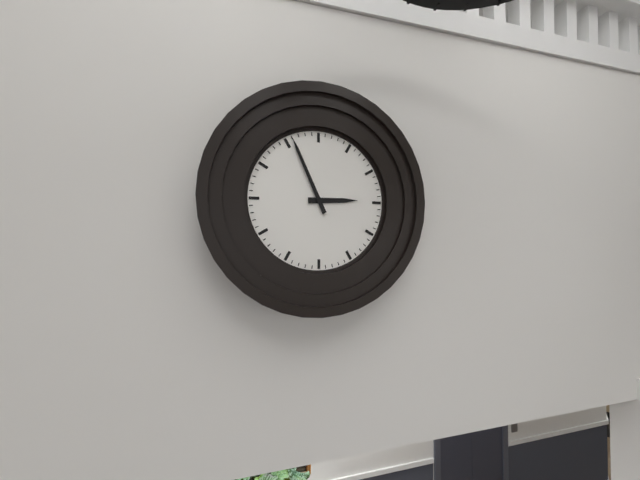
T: 2 h 56 min
